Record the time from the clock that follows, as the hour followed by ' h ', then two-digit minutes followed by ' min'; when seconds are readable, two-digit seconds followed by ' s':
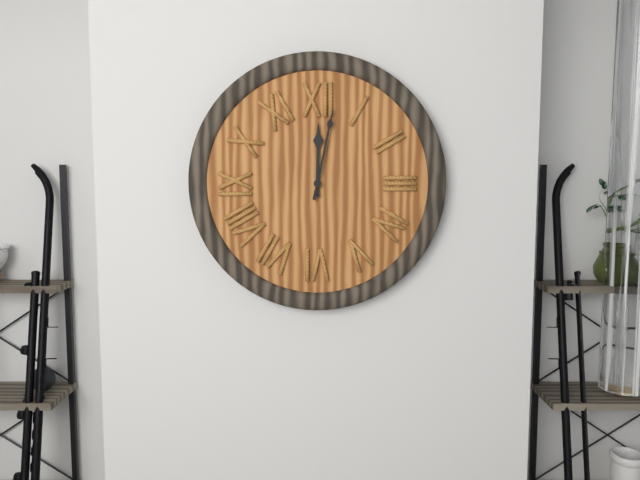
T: 12 h 02 min
